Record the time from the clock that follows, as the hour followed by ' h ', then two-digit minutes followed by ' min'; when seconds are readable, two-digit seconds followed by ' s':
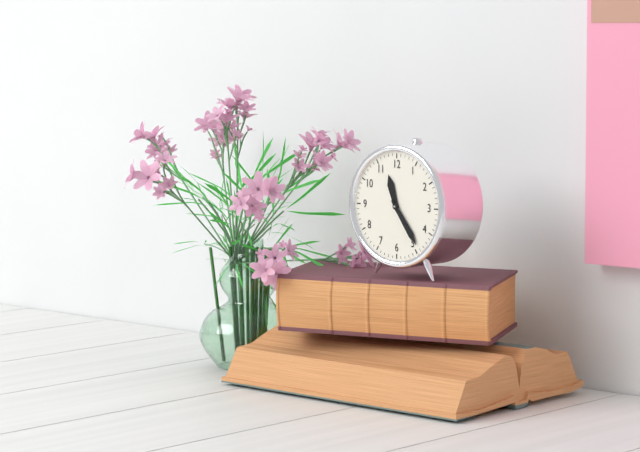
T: 11 h 24 min
